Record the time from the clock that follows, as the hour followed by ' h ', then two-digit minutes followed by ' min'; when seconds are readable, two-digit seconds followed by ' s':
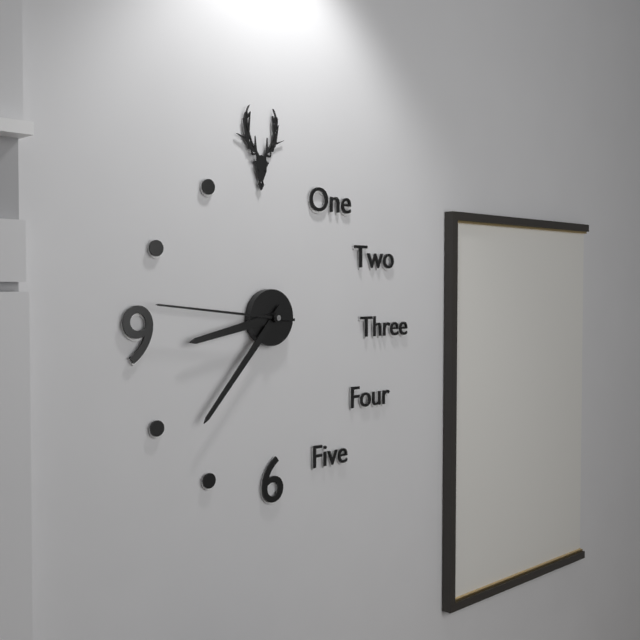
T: 8 h 37 min 46 s
